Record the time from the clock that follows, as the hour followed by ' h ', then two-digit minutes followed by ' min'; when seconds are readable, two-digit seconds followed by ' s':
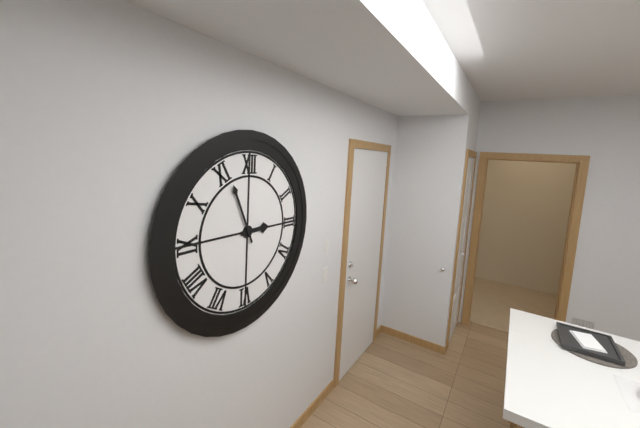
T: 2 h 56 min
